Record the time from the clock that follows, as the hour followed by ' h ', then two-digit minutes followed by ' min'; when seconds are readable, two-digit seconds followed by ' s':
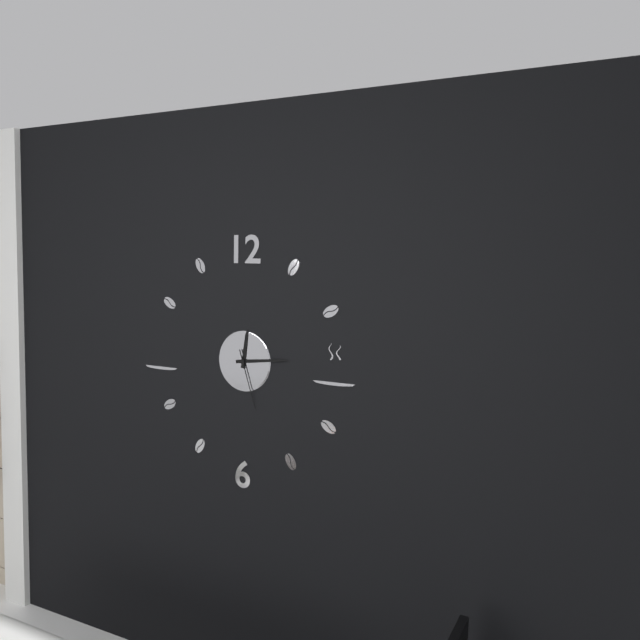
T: 12 h 14 min 27 s
